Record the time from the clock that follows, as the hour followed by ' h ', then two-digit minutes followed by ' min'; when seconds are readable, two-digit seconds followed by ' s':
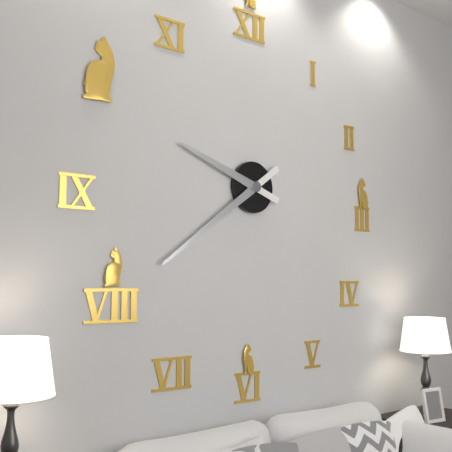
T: 9 h 39 min
